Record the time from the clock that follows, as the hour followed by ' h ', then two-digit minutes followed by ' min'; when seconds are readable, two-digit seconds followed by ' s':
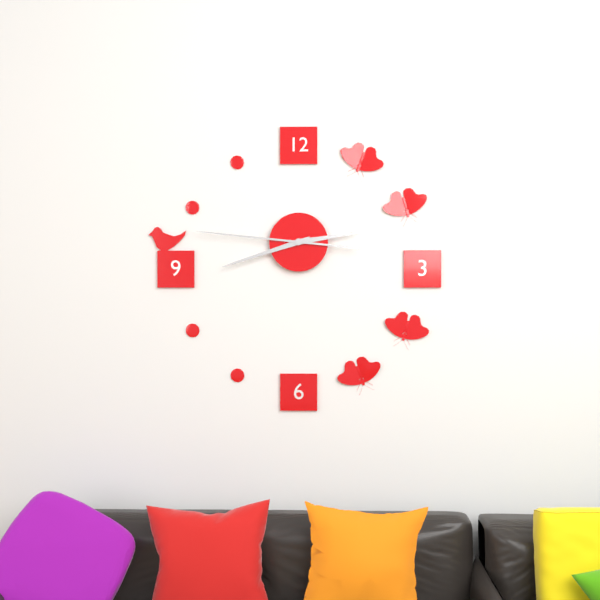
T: 2 h 42 min 46 s
